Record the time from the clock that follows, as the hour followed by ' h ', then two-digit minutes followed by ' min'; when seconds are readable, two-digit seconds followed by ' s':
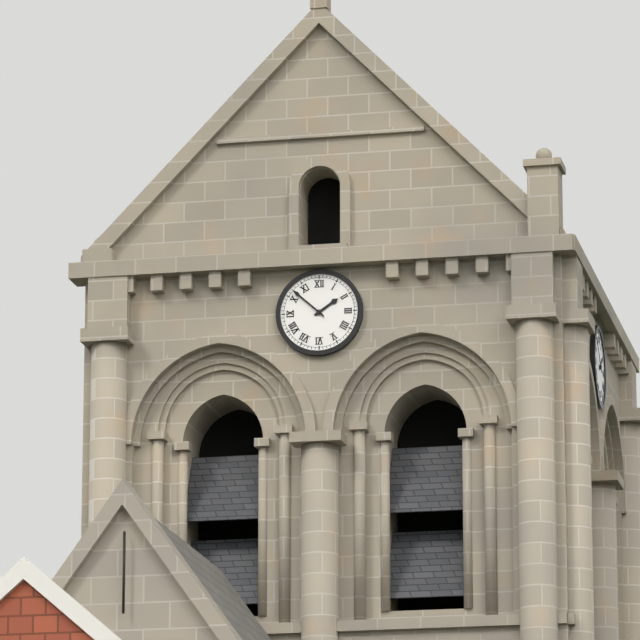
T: 1 h 52 min
